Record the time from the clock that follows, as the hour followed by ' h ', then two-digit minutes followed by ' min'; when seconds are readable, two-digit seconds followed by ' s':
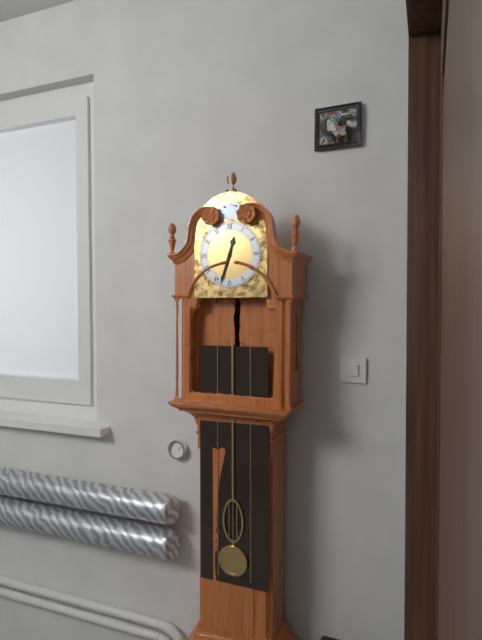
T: 12 h 33 min
